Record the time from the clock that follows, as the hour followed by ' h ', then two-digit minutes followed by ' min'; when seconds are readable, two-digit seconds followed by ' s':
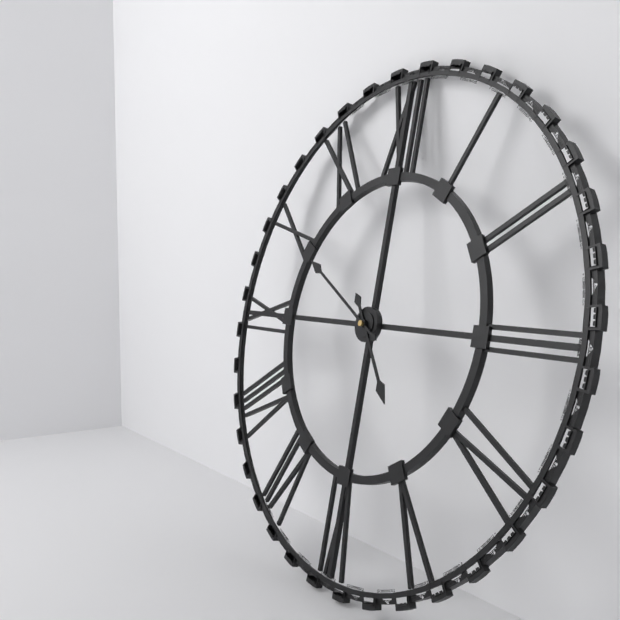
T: 4 h 50 min
